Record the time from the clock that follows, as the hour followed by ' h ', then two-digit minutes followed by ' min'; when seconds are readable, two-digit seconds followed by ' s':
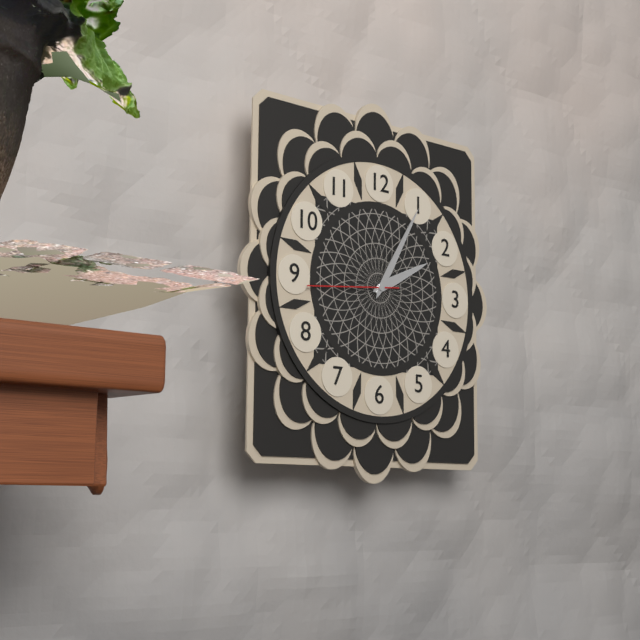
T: 2 h 05 min 44 s
